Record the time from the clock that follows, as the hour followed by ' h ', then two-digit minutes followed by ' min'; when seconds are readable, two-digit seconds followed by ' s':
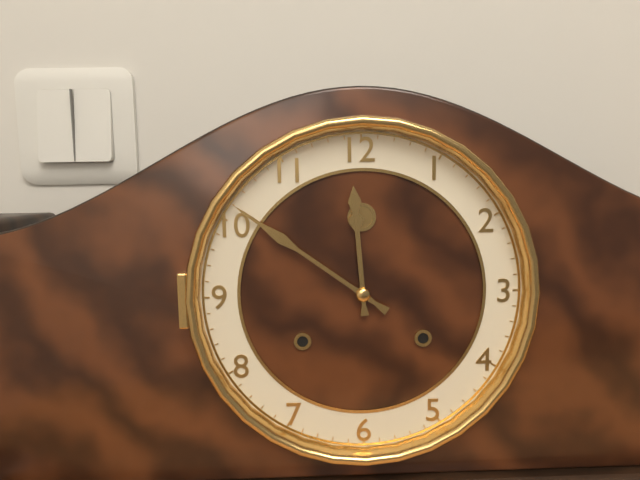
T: 11 h 51 min
